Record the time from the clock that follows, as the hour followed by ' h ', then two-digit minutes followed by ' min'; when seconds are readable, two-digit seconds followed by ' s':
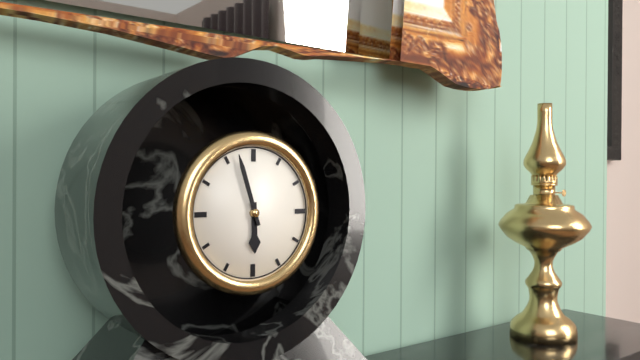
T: 5 h 57 min
